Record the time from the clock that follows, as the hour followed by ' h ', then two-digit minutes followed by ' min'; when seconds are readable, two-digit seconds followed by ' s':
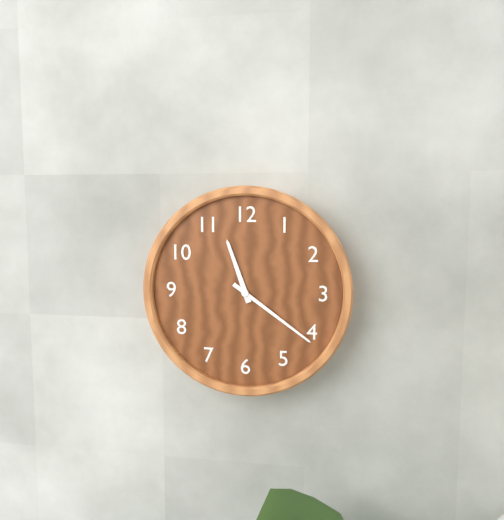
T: 11 h 21 min
